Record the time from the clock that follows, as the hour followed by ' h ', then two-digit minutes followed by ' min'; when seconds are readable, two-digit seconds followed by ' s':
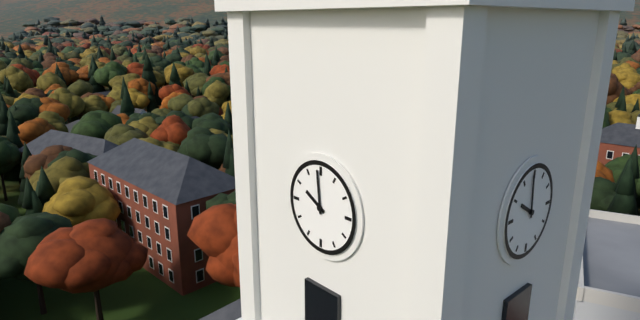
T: 9 h 59 min
